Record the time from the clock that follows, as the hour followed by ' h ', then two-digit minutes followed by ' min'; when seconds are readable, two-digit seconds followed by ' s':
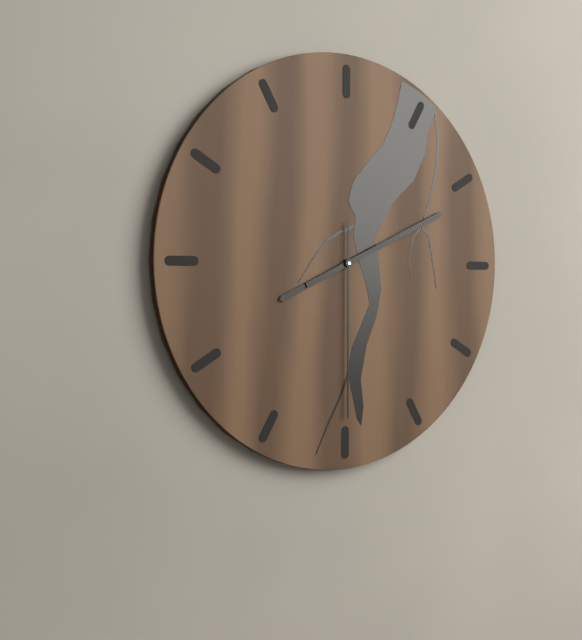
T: 8 h 11 min 30 s
